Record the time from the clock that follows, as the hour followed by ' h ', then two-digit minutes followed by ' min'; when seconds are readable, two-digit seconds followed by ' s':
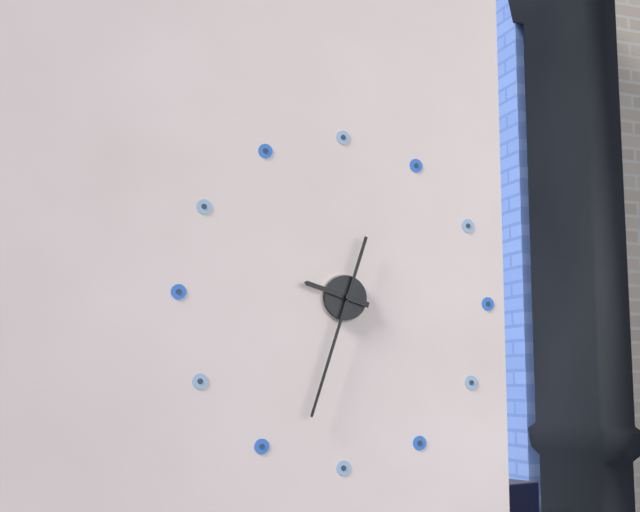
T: 9 h 33 min
